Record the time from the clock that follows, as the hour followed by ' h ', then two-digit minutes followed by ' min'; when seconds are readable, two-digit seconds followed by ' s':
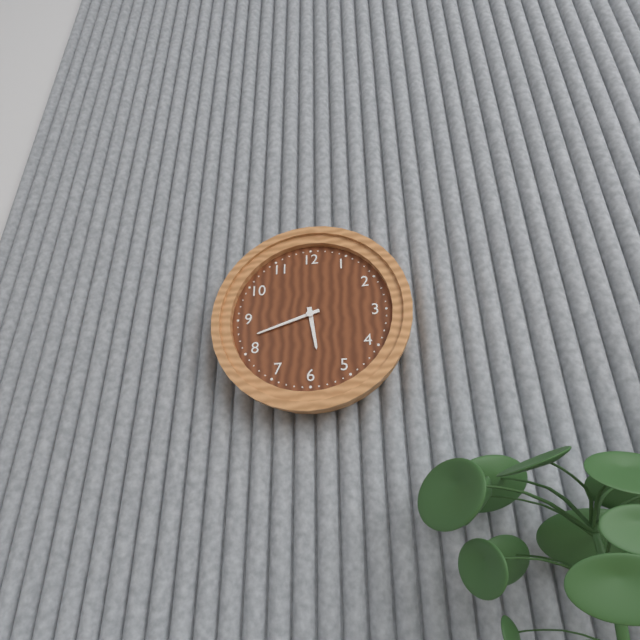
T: 5 h 42 min
